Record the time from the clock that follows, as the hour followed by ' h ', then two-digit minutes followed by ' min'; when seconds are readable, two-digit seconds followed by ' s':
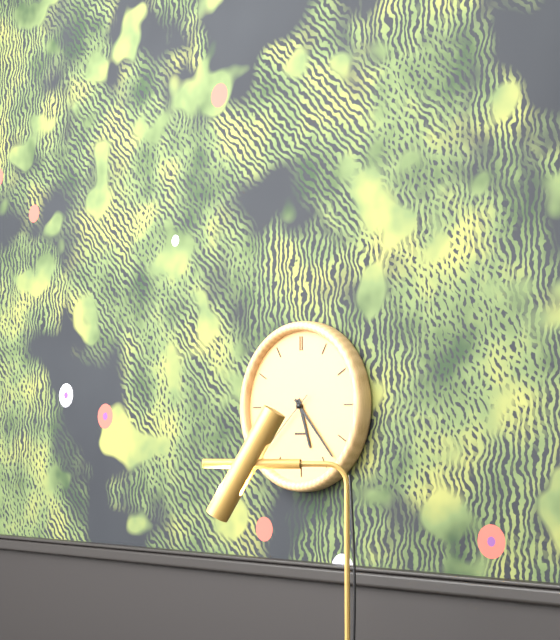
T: 5 h 23 min 38 s
